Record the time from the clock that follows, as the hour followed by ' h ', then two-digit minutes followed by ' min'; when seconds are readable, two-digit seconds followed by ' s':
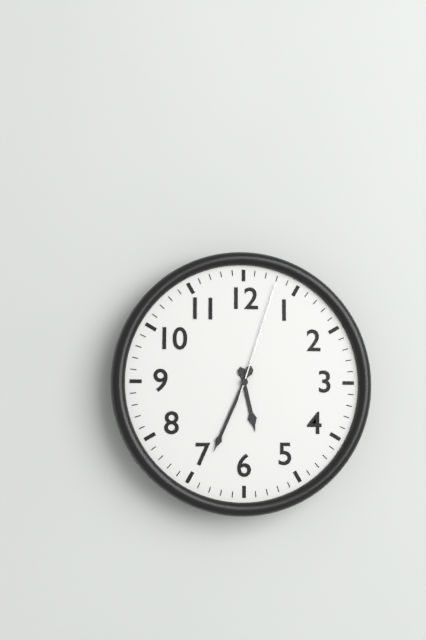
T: 5 h 34 min 03 s
